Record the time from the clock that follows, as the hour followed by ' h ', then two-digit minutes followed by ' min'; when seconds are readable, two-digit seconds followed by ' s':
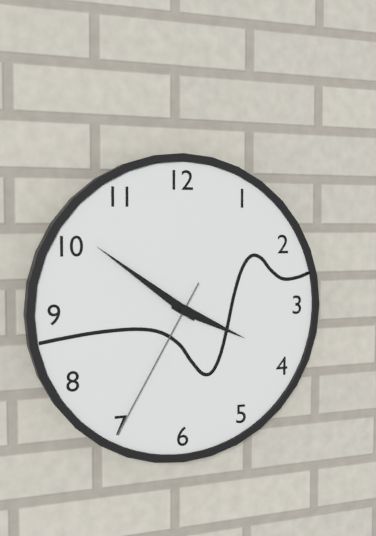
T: 3 h 51 min 35 s
